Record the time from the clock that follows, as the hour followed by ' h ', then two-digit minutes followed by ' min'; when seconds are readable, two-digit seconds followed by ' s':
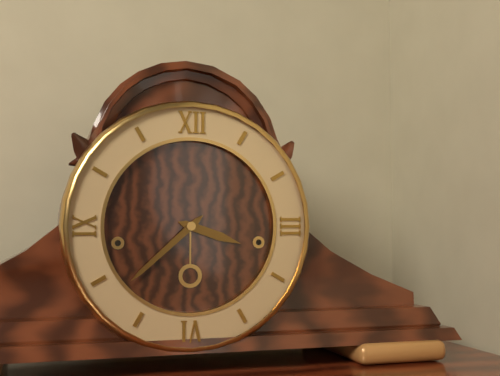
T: 3 h 38 min
